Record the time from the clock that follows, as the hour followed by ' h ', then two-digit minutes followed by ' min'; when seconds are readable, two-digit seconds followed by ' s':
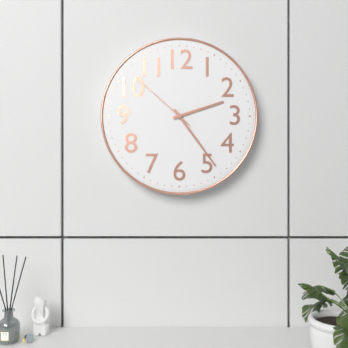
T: 2 h 24 min 52 s
